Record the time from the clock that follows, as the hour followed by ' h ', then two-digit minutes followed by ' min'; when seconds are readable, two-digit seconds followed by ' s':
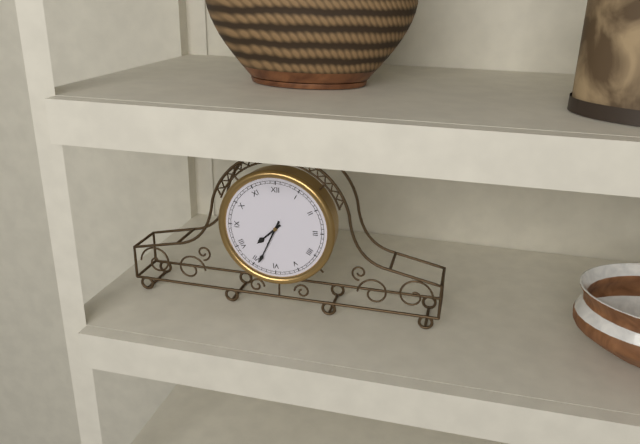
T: 7 h 34 min
